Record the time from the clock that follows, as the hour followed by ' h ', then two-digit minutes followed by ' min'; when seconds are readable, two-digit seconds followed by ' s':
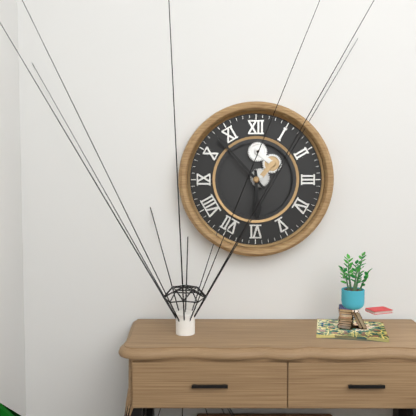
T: 5 h 53 min
